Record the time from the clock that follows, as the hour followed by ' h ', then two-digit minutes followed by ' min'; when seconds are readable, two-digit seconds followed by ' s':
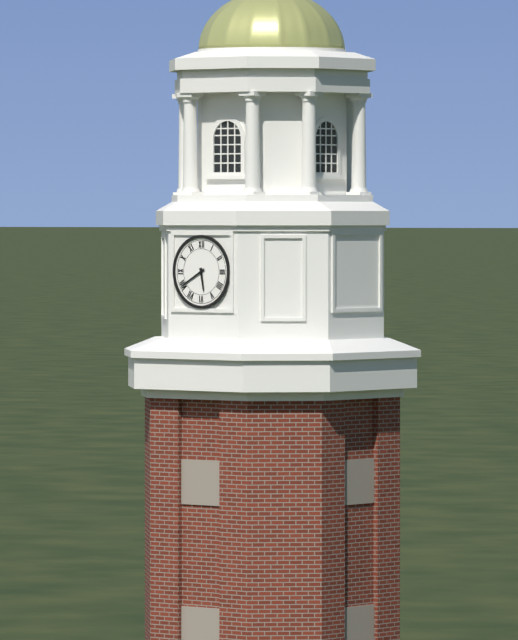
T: 5 h 40 min
